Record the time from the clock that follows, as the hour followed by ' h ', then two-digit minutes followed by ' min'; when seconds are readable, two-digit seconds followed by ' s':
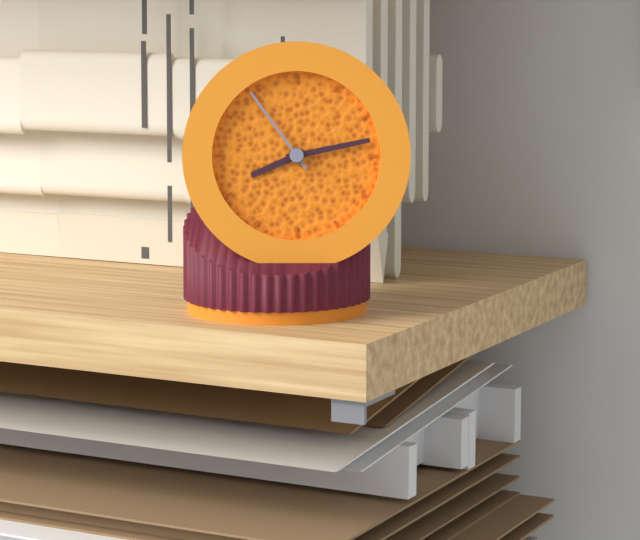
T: 8 h 13 min 54 s
